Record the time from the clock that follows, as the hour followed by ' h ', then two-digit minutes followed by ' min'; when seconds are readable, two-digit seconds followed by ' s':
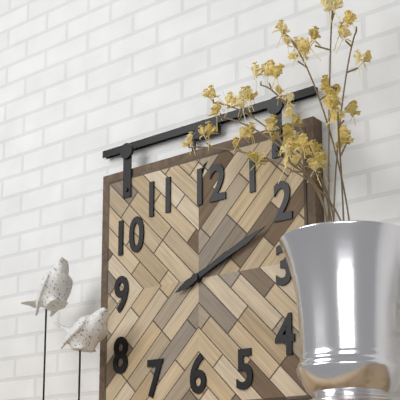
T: 2 h 11 min
